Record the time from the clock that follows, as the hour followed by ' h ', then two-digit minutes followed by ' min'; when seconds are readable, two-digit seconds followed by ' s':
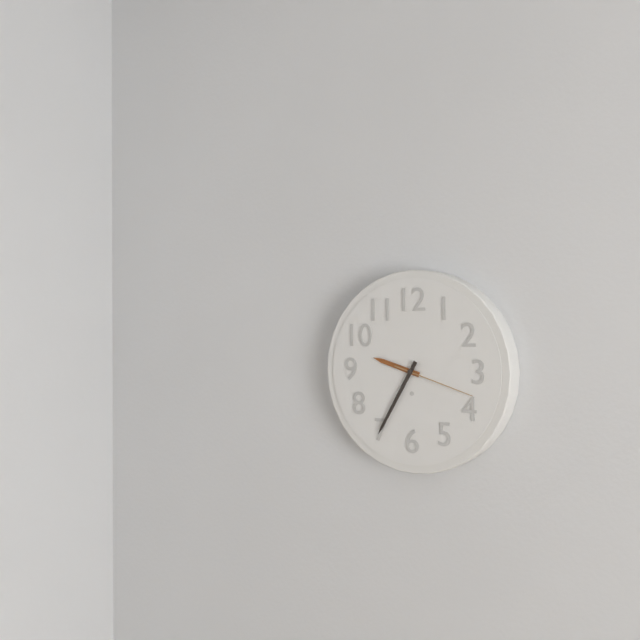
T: 9 h 35 min 18 s
